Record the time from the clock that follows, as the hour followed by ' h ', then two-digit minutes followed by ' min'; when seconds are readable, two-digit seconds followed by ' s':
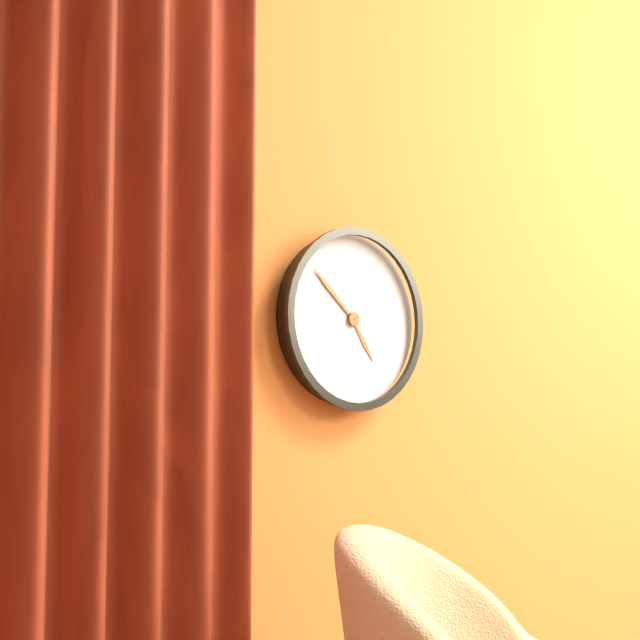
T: 4 h 52 min
